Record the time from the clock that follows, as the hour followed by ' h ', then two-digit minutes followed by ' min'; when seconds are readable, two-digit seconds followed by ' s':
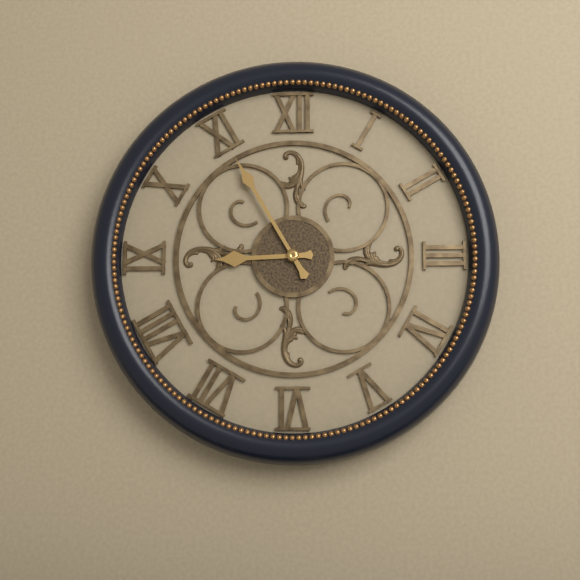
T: 8 h 55 min
